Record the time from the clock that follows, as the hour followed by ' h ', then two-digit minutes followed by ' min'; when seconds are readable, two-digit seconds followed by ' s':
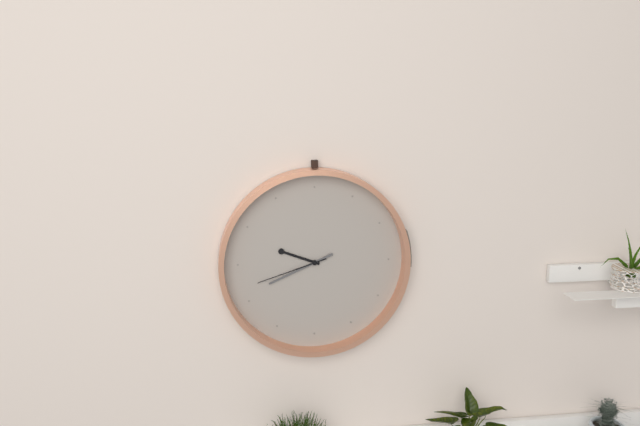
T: 9 h 41 min 42 s
